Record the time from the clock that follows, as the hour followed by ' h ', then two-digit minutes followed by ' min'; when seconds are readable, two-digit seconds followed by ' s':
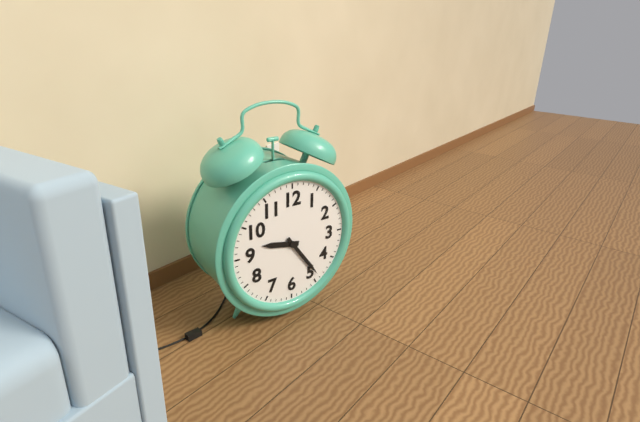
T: 9 h 24 min
